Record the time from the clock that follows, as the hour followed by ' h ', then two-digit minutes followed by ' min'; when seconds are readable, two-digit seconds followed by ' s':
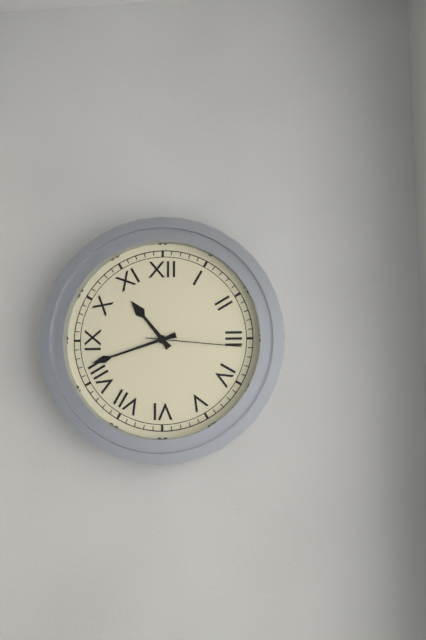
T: 10 h 42 min 16 s
